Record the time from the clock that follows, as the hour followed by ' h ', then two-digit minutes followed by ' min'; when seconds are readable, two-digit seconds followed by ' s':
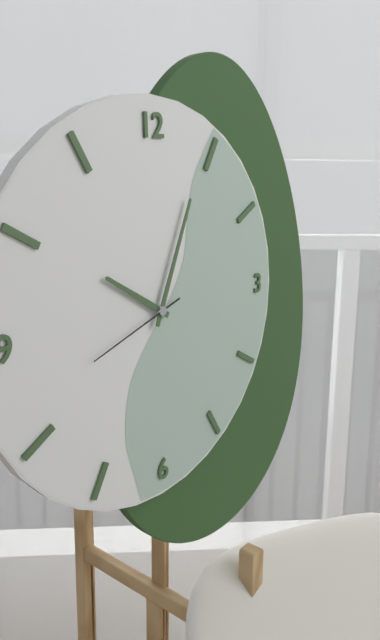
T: 10 h 04 min 42 s
